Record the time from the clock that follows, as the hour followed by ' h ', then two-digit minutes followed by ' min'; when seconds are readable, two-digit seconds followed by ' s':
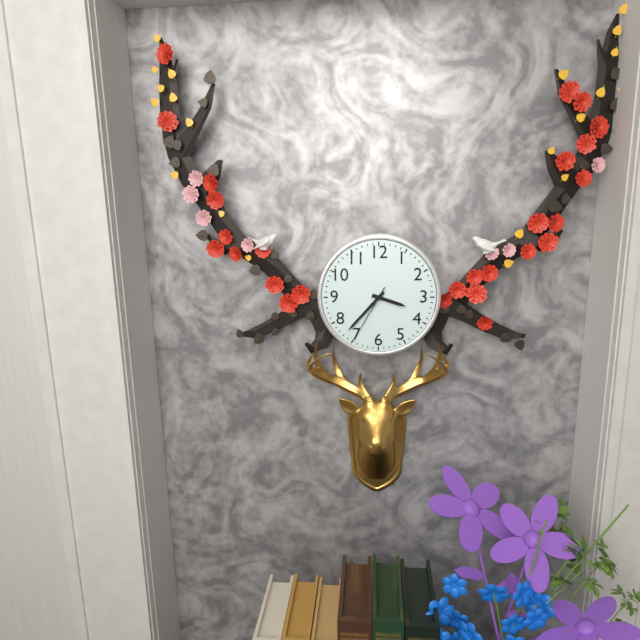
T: 3 h 37 min 35 s
